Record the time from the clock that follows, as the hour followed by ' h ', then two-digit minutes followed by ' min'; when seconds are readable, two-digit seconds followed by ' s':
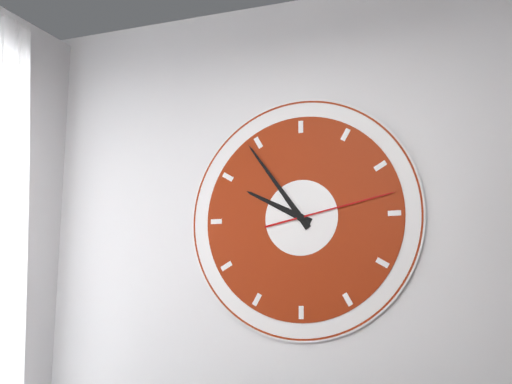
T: 9 h 54 min 13 s
